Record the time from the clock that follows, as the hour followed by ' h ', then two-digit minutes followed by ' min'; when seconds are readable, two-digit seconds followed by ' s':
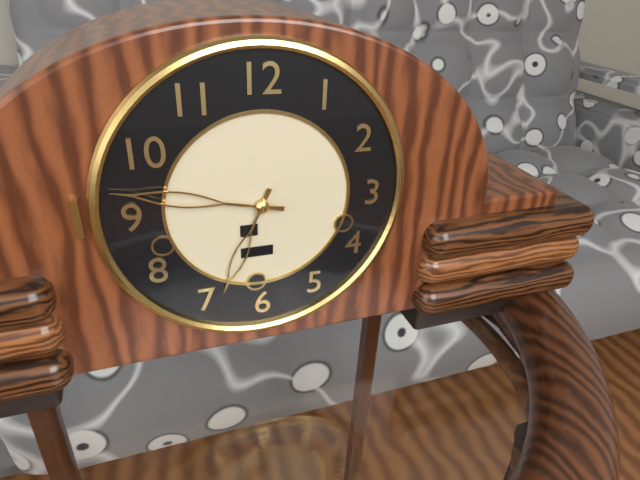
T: 6 h 47 min
